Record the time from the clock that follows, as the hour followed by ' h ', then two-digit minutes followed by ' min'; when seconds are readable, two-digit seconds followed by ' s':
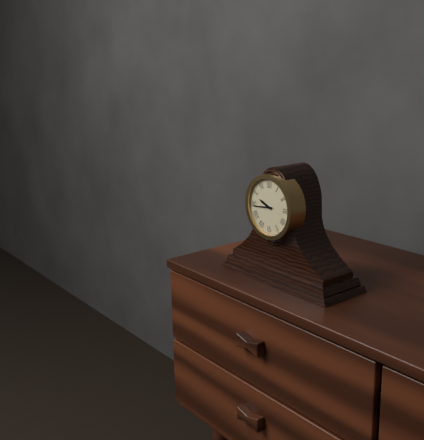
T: 9 h 44 min
